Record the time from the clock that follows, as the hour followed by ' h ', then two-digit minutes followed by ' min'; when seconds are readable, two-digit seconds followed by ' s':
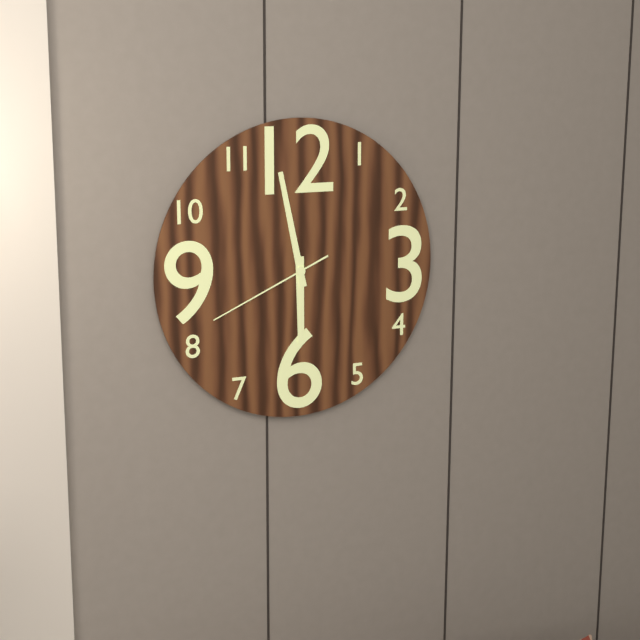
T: 5 h 58 min 41 s
